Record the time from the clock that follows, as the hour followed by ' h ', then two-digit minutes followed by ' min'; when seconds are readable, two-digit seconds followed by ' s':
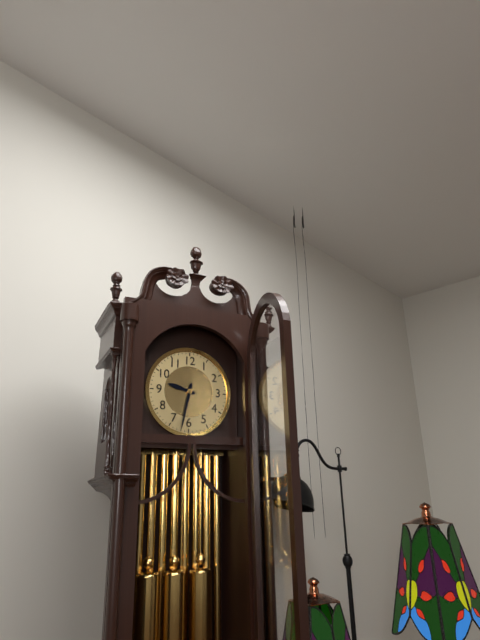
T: 9 h 32 min
